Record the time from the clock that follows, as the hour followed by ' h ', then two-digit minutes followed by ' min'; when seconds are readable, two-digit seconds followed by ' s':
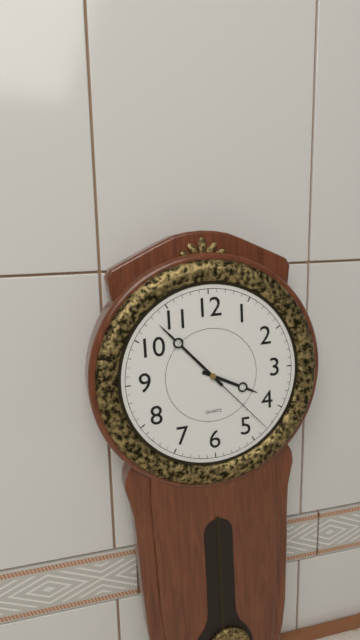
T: 3 h 53 min 23 s
